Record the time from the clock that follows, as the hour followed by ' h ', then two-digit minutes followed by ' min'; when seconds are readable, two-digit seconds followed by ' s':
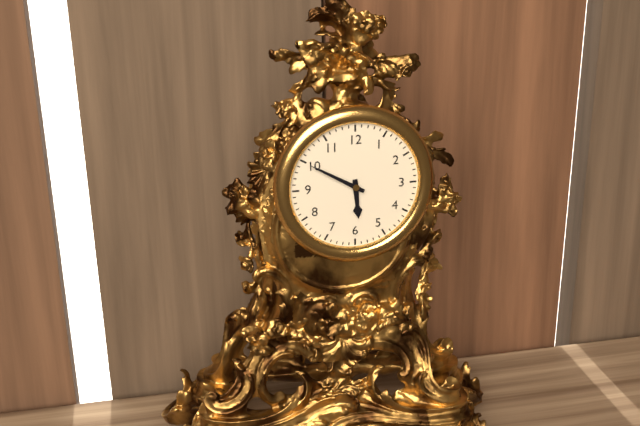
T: 5 h 50 min
